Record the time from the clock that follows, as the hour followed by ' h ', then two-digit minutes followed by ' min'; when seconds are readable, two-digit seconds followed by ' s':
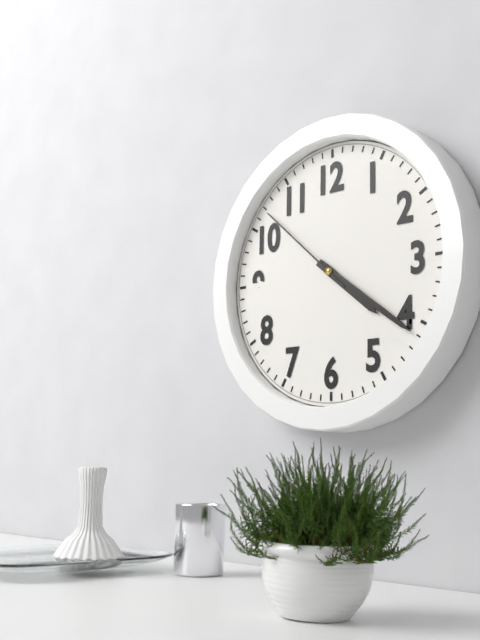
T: 4 h 21 min 52 s
